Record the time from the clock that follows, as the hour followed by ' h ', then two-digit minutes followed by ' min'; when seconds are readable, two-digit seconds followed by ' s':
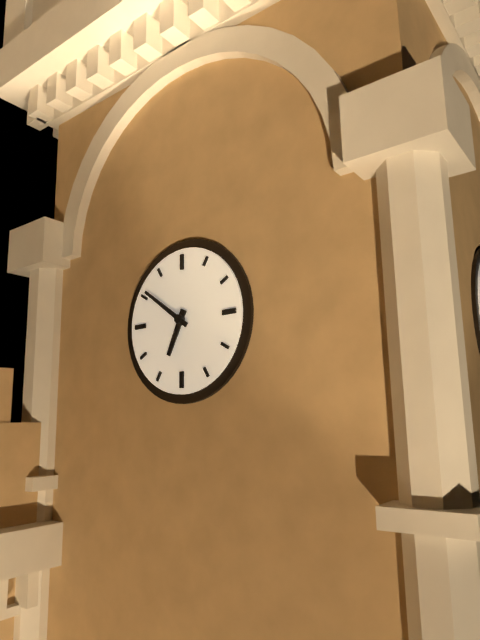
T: 6 h 51 min
